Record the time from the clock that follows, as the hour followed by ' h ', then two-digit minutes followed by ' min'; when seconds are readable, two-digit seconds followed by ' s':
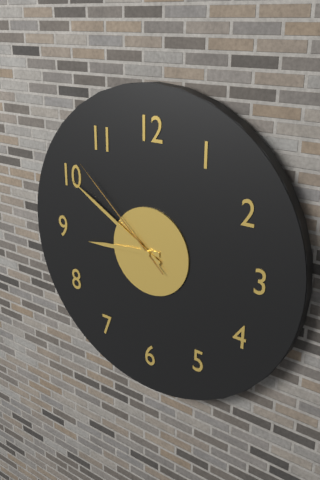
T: 8 h 50 min 52 s
